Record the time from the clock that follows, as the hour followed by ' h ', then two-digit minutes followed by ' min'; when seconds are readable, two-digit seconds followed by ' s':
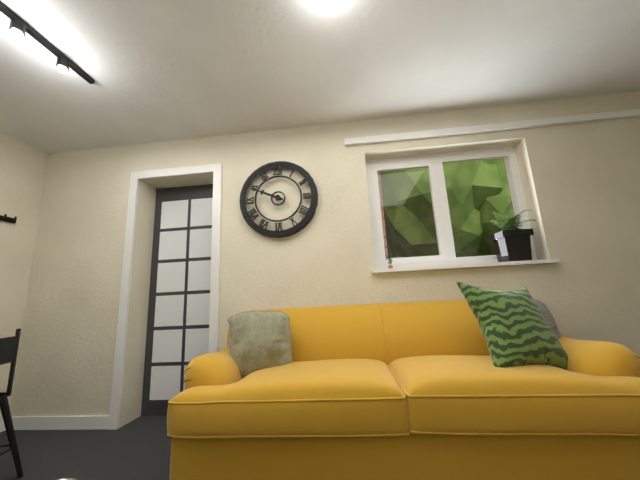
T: 9 h 49 min
